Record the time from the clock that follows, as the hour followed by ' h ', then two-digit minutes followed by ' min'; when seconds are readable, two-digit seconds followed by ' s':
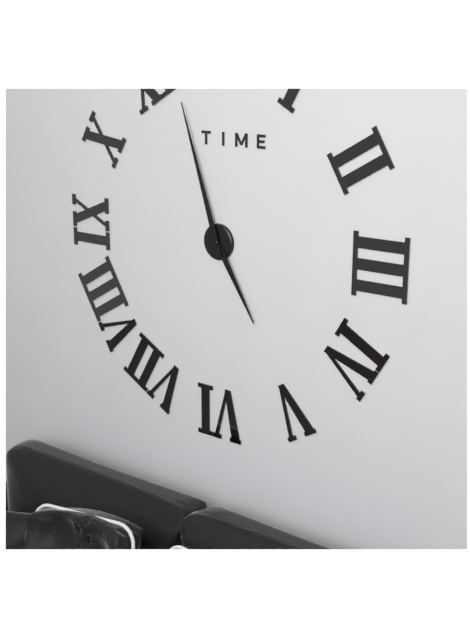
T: 4 h 57 min
